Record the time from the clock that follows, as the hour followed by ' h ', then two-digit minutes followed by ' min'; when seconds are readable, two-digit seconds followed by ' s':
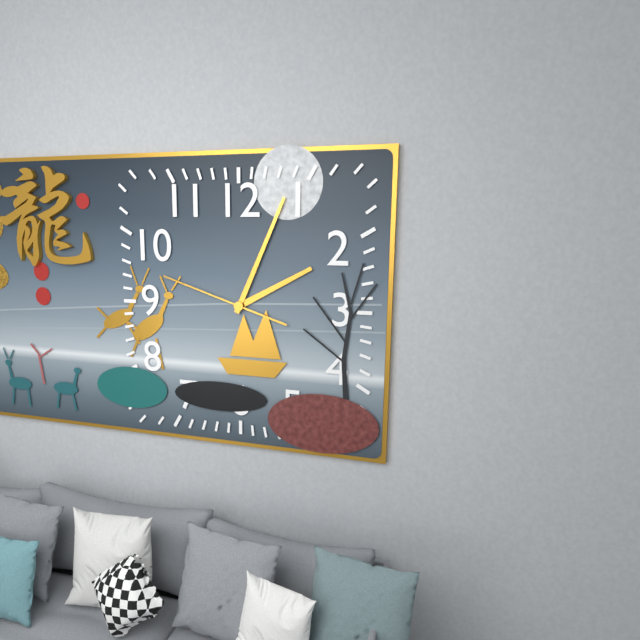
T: 2 h 04 min 48 s
